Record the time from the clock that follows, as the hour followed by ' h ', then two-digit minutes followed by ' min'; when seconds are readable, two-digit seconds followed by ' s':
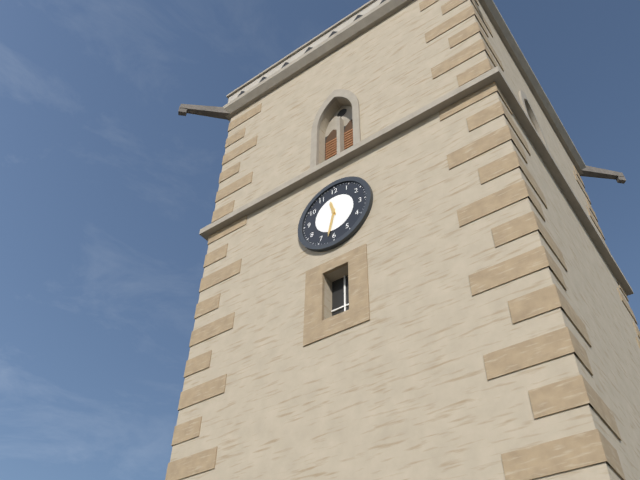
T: 11 h 32 min
